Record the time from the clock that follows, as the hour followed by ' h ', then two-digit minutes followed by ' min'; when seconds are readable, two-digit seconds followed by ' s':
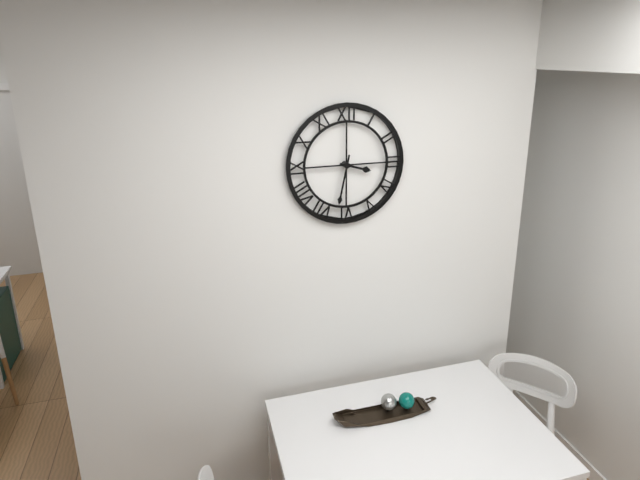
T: 3 h 32 min
